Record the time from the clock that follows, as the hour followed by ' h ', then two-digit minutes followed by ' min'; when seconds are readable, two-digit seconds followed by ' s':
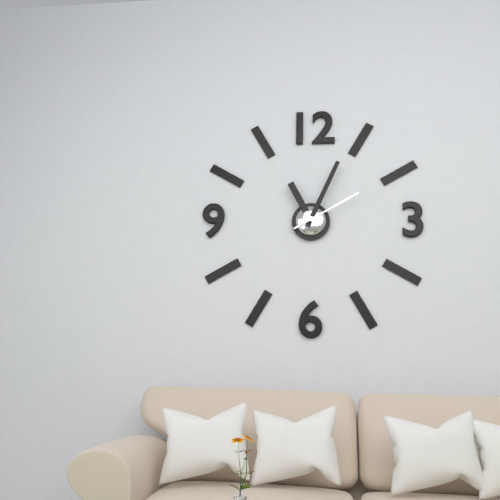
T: 11 h 04 min 10 s
